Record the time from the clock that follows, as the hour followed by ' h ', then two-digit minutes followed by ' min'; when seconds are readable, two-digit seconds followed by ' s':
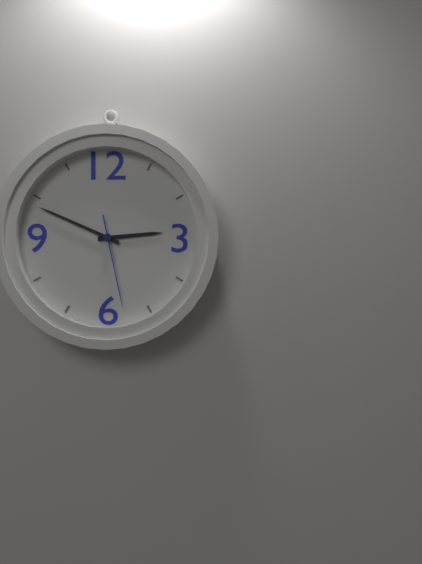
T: 2 h 49 min 28 s
